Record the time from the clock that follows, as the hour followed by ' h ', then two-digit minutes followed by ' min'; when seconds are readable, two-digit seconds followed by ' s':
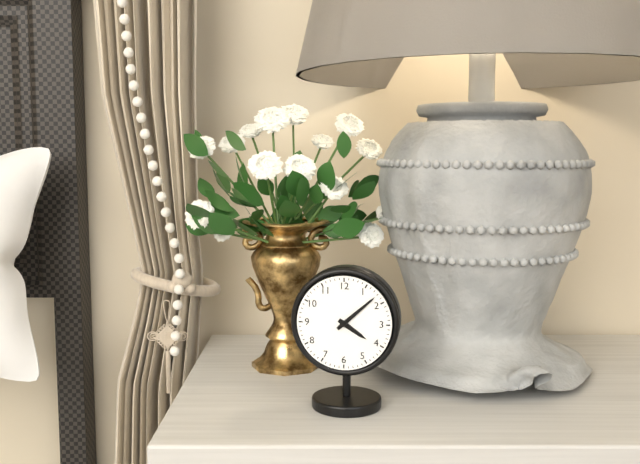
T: 4 h 08 min
